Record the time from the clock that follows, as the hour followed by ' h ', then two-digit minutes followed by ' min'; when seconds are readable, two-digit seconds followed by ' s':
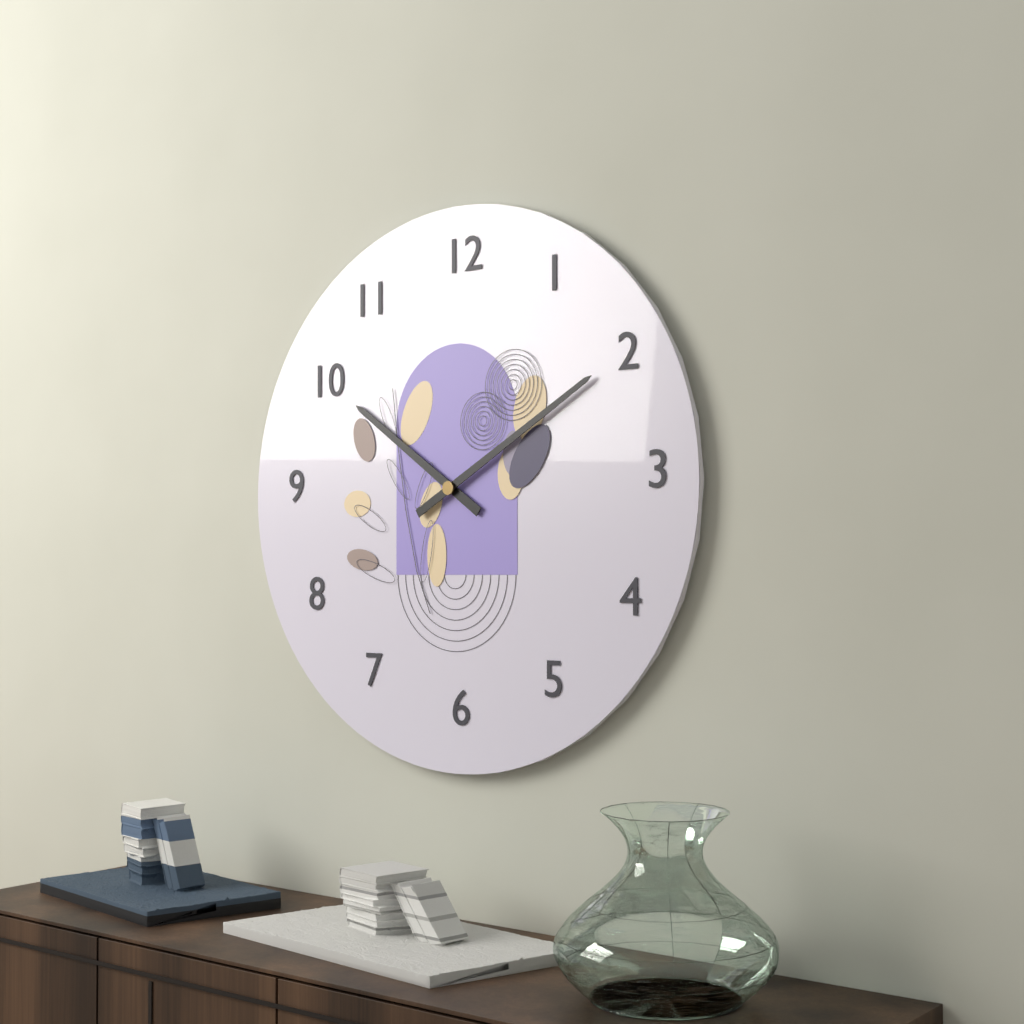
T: 10 h 10 min
